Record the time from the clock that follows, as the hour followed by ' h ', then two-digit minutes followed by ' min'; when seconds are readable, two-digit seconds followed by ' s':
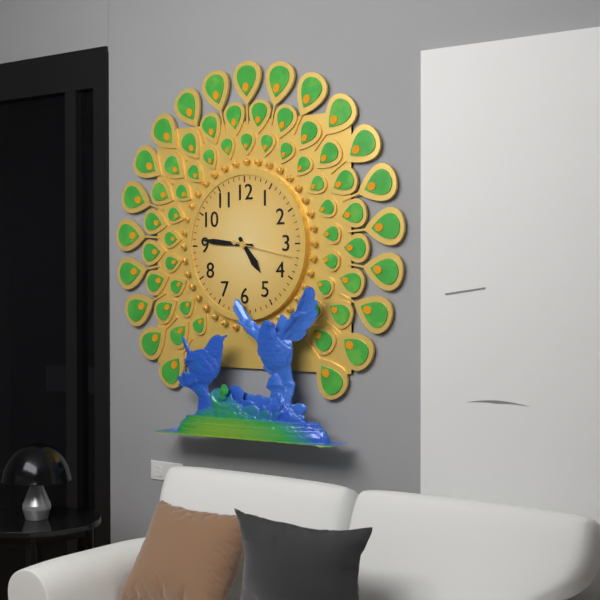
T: 4 h 46 min 17 s
